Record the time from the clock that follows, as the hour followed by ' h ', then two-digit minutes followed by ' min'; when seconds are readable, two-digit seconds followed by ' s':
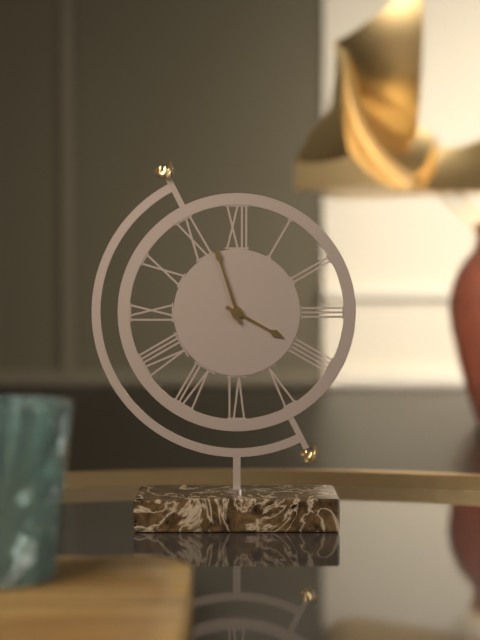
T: 3 h 57 min
